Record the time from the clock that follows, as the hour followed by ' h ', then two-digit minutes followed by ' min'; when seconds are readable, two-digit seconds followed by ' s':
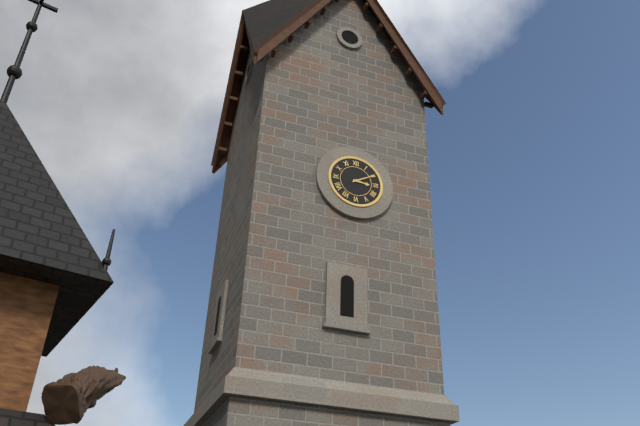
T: 3 h 10 min
